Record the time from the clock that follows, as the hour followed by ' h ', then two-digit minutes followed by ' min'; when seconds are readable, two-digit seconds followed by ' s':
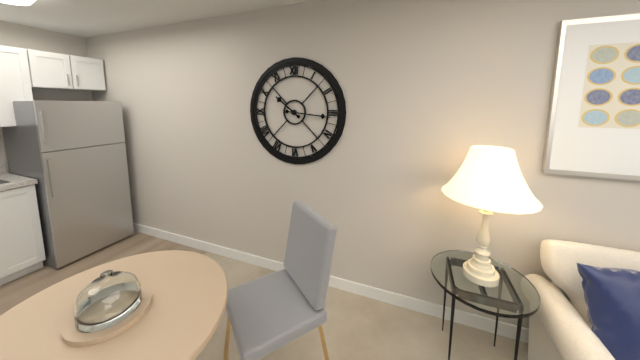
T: 10 h 16 min
